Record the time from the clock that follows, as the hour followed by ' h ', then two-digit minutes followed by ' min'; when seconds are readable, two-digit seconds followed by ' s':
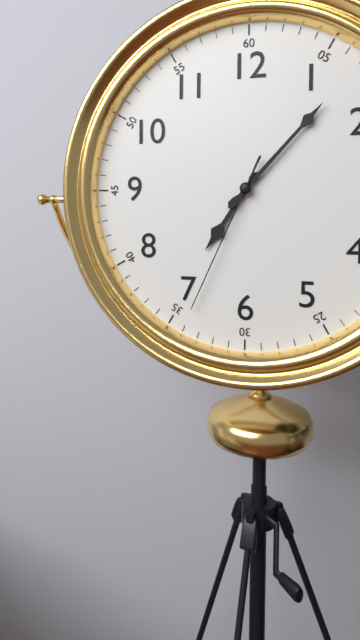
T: 7 h 07 min 34 s
